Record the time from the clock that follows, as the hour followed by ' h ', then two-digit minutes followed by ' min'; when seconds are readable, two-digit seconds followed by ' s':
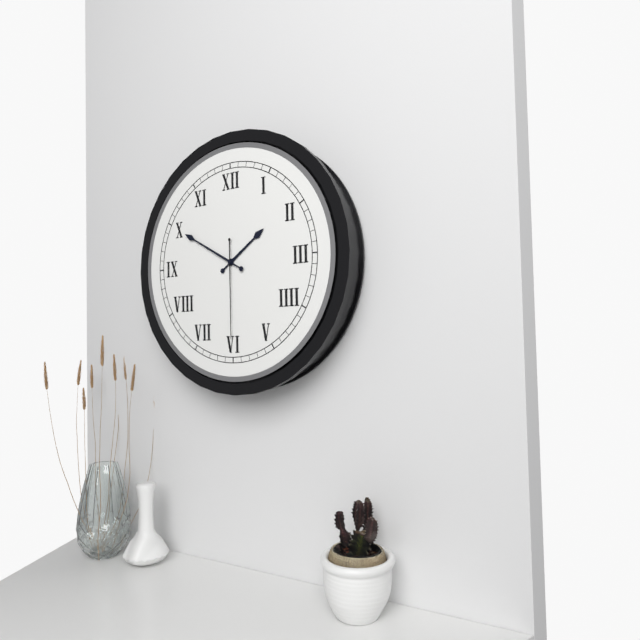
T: 1 h 50 min 30 s
